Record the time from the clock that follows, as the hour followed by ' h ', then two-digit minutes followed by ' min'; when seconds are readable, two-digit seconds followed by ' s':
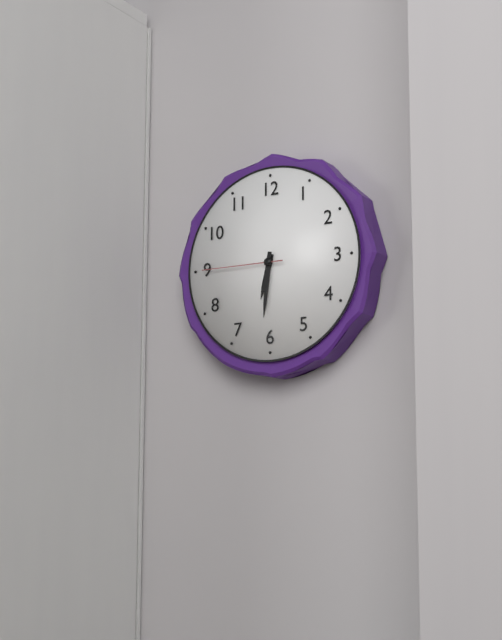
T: 6 h 31 min 45 s
